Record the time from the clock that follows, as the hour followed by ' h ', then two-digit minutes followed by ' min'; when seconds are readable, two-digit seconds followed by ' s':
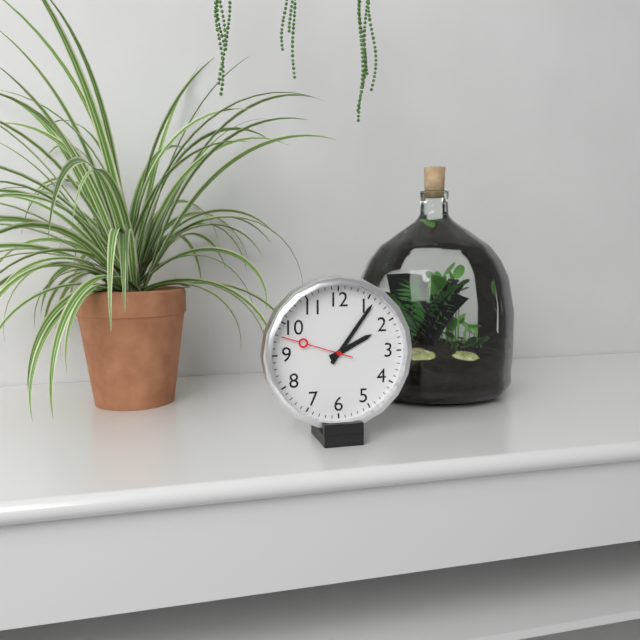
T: 2 h 06 min 48 s
